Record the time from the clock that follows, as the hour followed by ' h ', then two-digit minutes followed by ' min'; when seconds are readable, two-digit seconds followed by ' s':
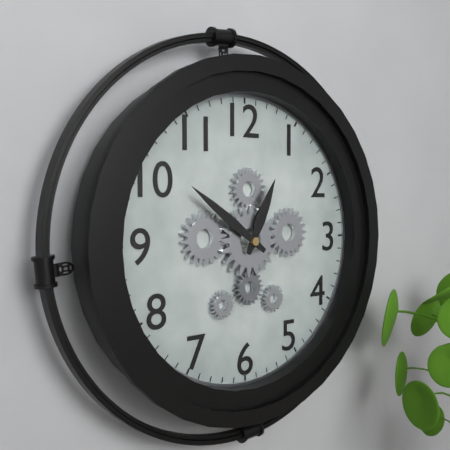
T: 12 h 51 min
